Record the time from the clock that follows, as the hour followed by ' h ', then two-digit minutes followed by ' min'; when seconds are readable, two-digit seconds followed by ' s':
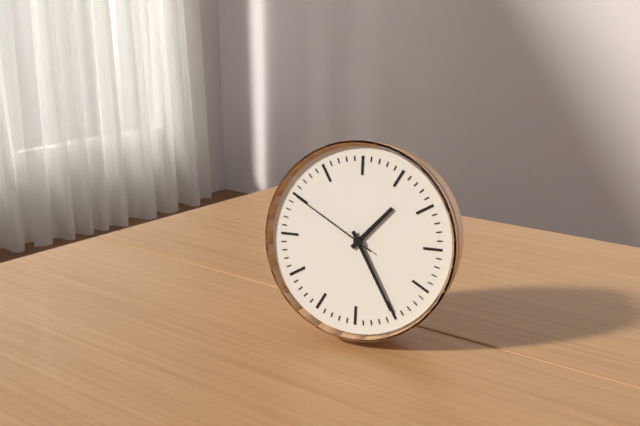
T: 1 h 25 min 50 s
